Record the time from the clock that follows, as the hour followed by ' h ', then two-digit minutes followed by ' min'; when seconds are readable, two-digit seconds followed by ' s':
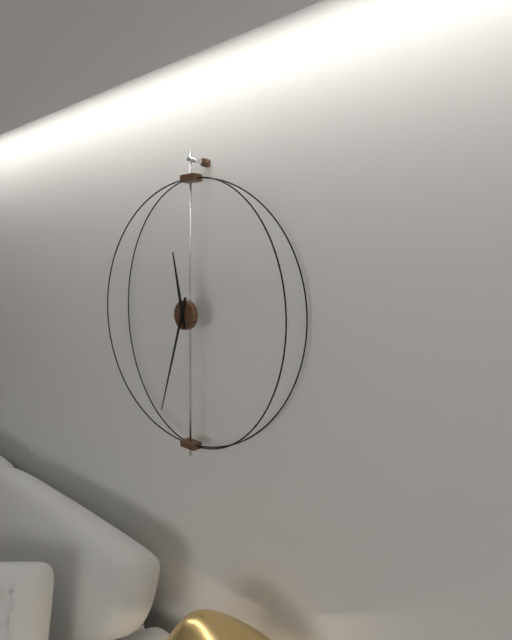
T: 11 h 33 min
